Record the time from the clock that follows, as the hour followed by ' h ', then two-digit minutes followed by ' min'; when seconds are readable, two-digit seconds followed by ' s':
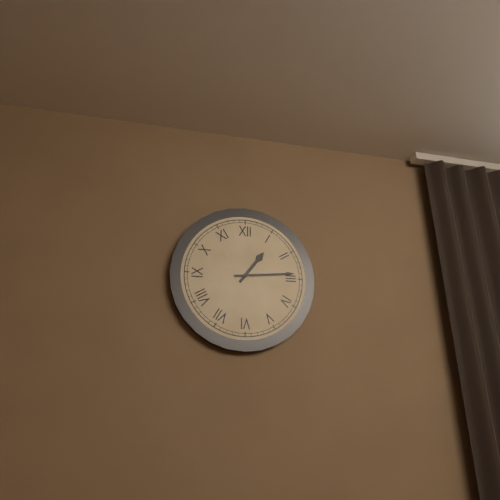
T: 1 h 14 min
